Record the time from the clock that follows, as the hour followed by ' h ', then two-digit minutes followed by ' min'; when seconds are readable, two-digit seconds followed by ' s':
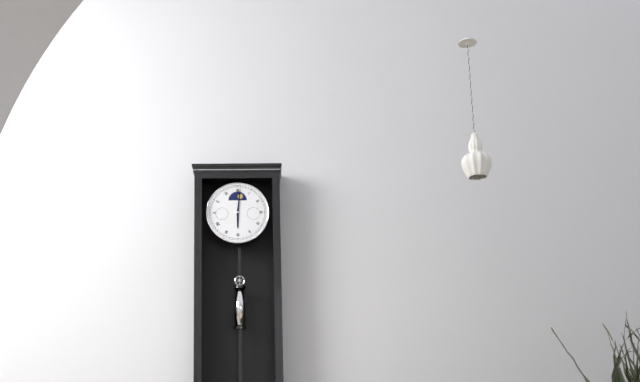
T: 6 h 01 min
